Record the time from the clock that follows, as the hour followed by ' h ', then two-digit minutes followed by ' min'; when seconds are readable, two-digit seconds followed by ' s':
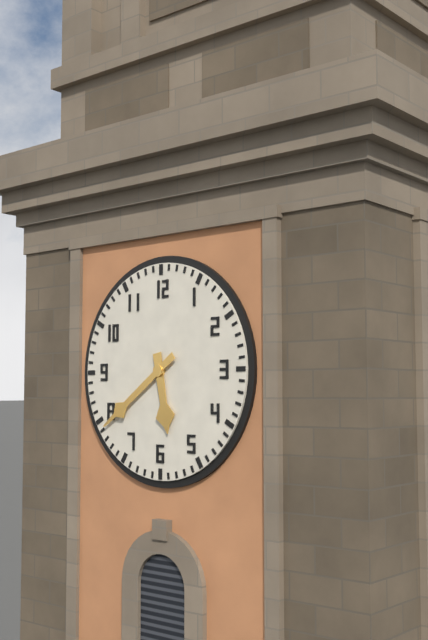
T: 5 h 39 min
